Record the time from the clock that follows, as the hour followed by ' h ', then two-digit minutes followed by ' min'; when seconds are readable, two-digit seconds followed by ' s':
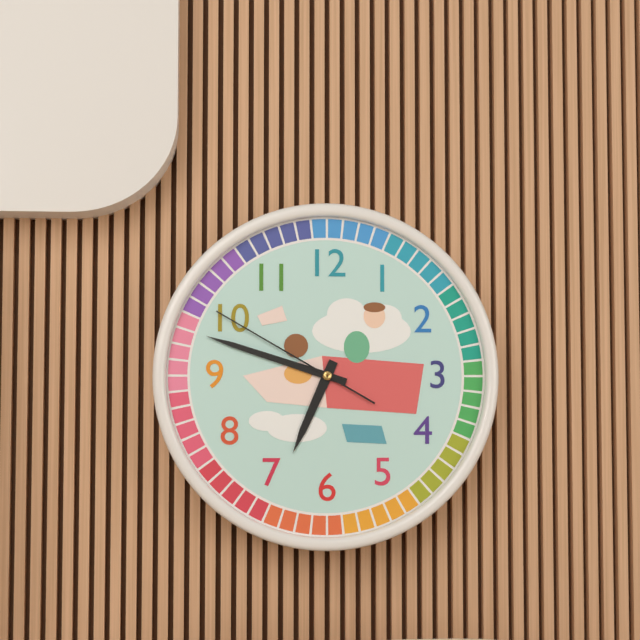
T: 6 h 48 min 50 s
